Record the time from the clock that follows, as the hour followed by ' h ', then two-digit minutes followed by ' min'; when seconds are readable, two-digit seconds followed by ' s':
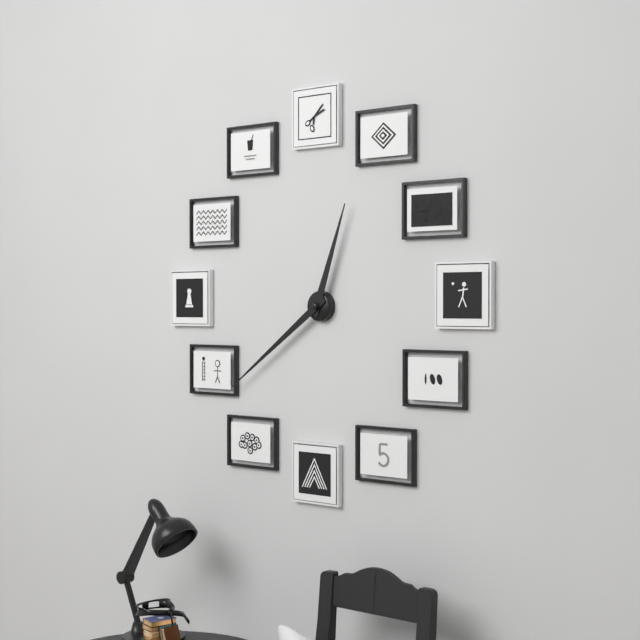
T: 12 h 39 min
